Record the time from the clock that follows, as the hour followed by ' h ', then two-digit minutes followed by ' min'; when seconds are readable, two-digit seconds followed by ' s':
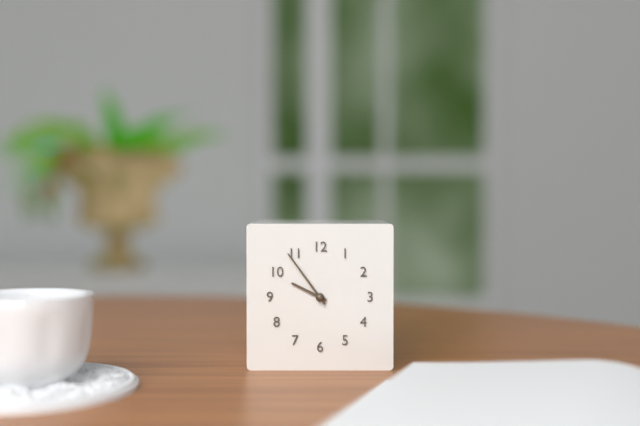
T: 9 h 54 min
